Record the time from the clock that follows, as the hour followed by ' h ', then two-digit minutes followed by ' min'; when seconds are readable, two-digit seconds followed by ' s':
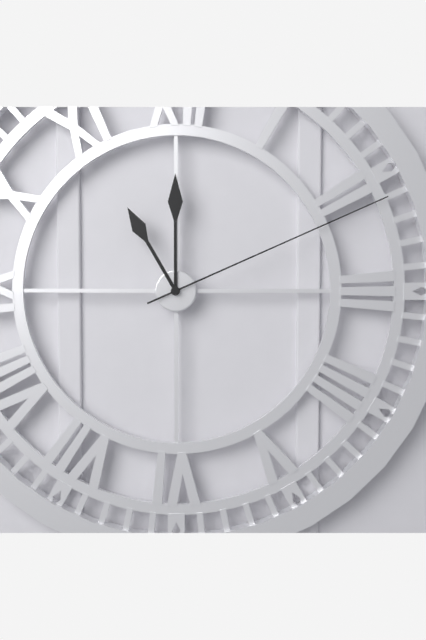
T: 11 h 00 min 11 s
